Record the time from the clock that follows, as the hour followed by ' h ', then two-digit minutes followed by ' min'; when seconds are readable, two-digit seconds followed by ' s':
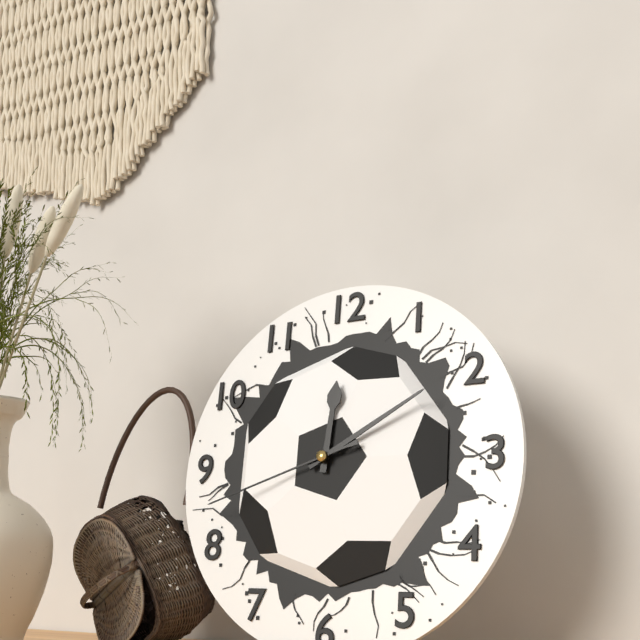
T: 12 h 10 min 42 s
